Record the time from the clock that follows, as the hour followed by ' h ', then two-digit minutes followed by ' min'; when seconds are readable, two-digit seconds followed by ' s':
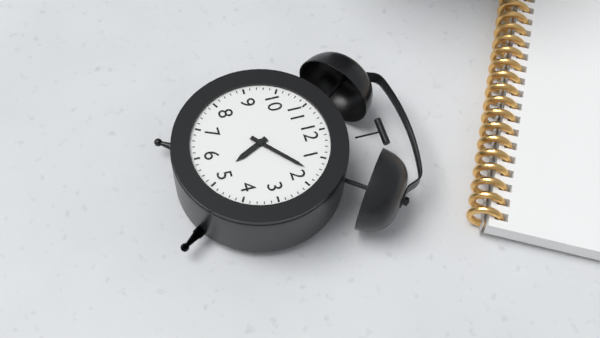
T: 5 h 08 min
